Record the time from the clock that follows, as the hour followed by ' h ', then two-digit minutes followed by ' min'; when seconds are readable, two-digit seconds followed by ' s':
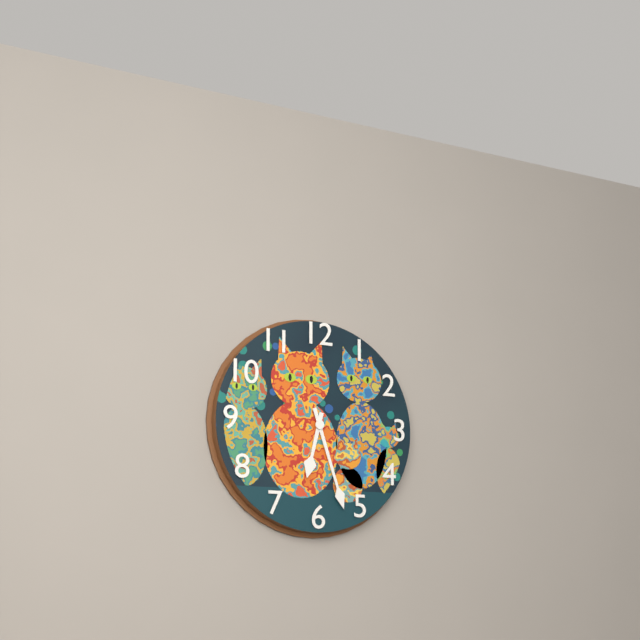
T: 6 h 27 min
